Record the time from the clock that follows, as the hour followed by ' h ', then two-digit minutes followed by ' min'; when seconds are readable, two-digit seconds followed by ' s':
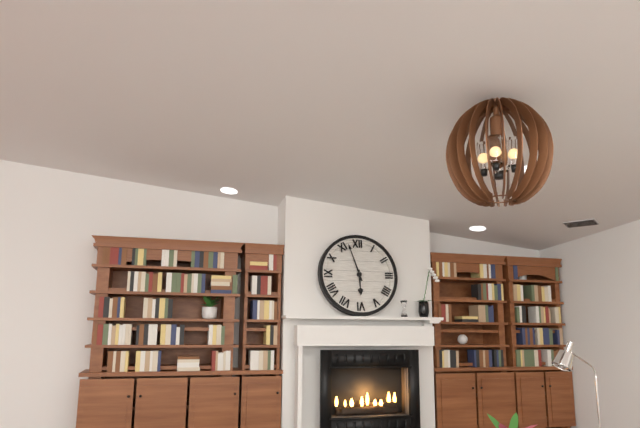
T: 5 h 57 min
